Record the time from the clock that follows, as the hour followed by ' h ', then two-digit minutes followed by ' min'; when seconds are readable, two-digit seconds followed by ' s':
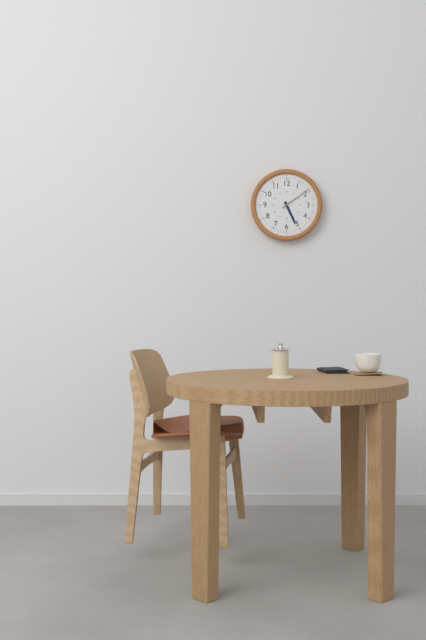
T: 5 h 09 min
